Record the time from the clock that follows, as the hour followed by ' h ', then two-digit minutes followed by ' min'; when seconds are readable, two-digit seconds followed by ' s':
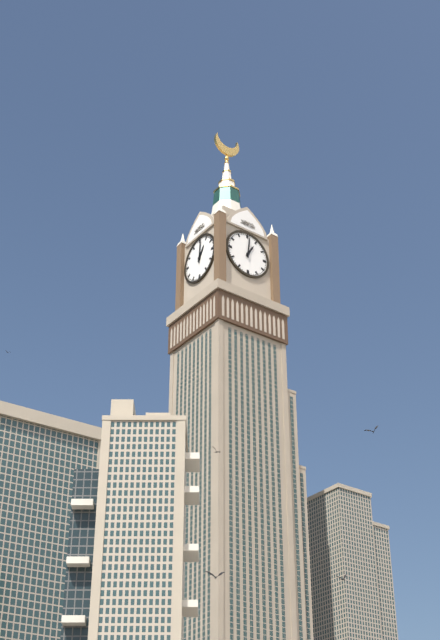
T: 1 h 01 min
